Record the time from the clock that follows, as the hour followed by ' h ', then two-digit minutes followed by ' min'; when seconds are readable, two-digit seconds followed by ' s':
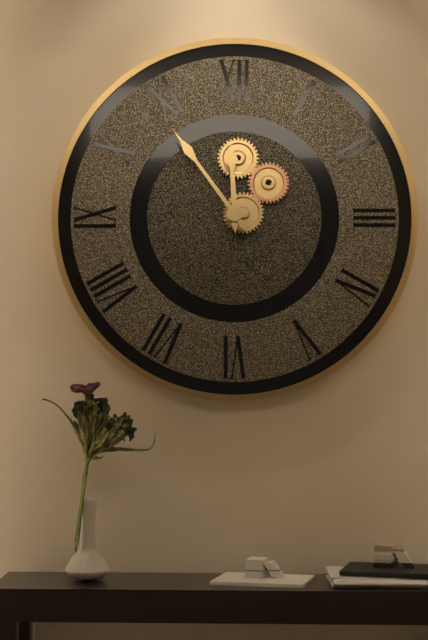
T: 11 h 54 min
